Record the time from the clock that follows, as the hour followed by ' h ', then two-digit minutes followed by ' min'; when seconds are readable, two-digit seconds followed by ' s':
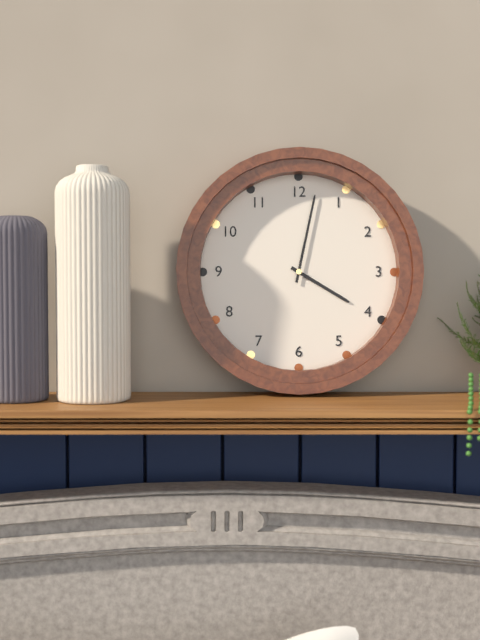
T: 4 h 02 min
